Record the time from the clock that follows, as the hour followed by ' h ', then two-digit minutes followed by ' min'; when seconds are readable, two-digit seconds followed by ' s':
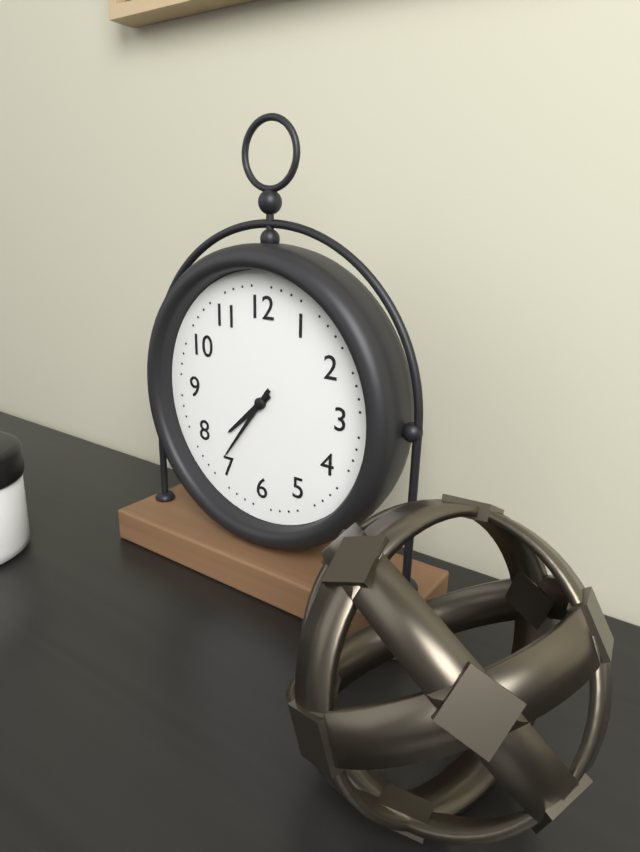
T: 7 h 36 min
